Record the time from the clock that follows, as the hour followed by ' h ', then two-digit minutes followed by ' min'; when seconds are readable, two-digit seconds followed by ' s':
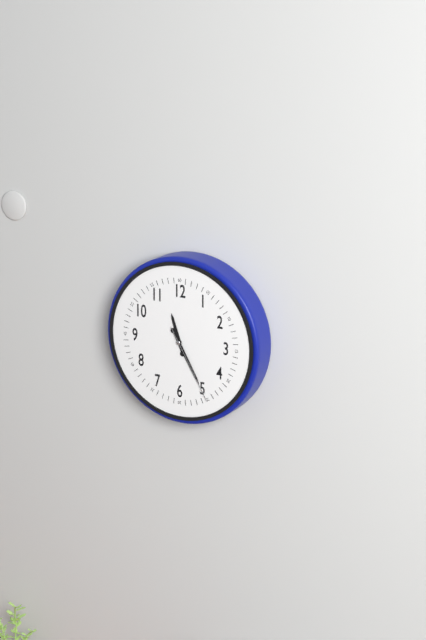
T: 11 h 25 min 25 s
